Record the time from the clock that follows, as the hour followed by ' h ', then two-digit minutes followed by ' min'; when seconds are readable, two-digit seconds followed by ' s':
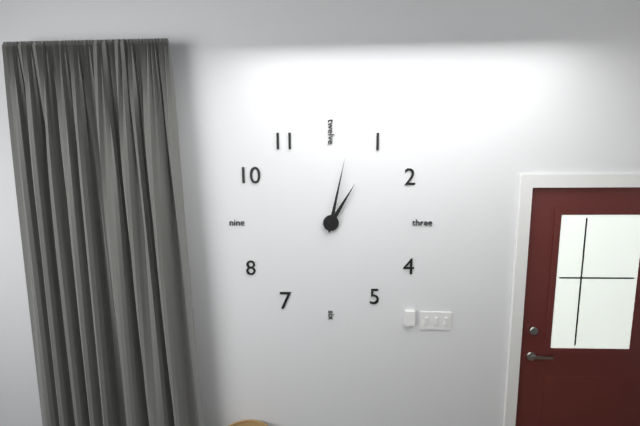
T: 1 h 02 min
